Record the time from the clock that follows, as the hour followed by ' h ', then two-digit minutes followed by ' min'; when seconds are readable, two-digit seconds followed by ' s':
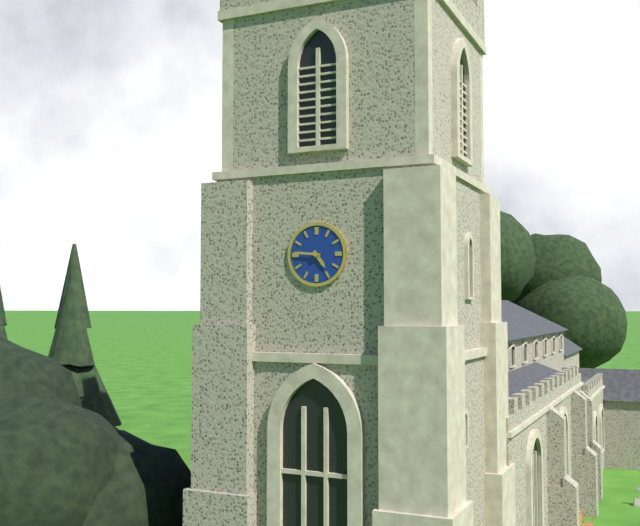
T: 4 h 46 min
